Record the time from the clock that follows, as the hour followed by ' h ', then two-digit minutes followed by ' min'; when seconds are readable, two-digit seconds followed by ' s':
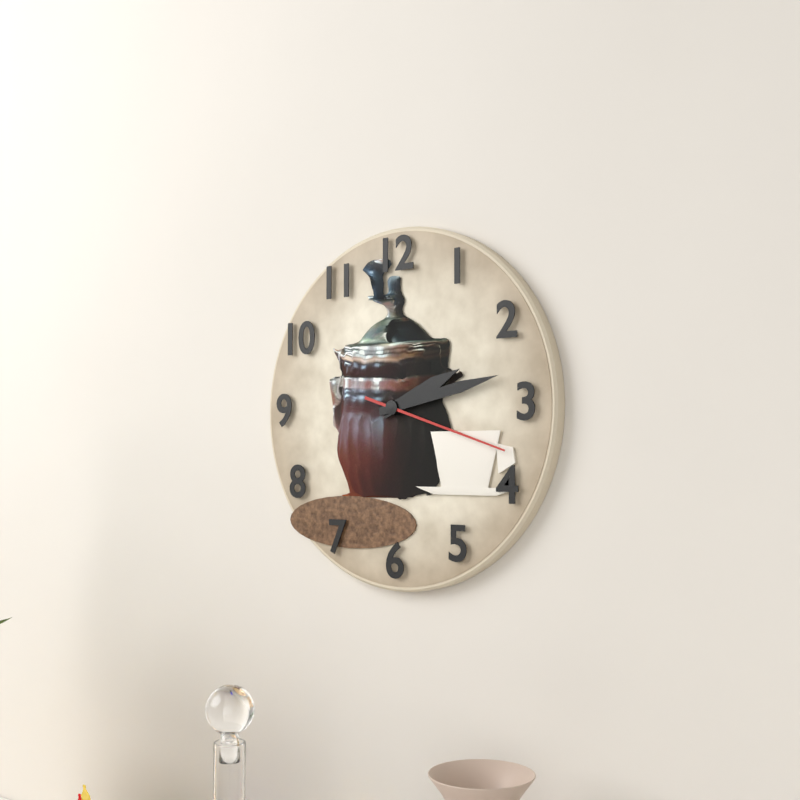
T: 2 h 13 min 18 s
